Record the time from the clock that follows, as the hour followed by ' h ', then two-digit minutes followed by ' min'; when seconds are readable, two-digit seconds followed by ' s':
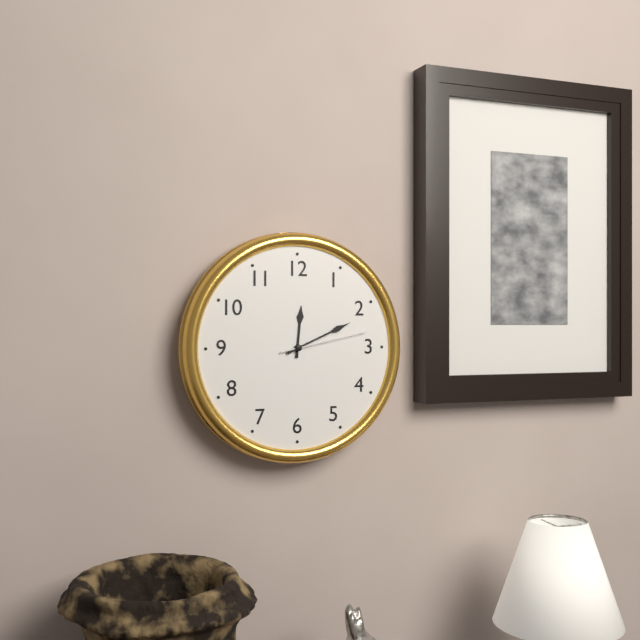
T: 12 h 11 min 13 s
